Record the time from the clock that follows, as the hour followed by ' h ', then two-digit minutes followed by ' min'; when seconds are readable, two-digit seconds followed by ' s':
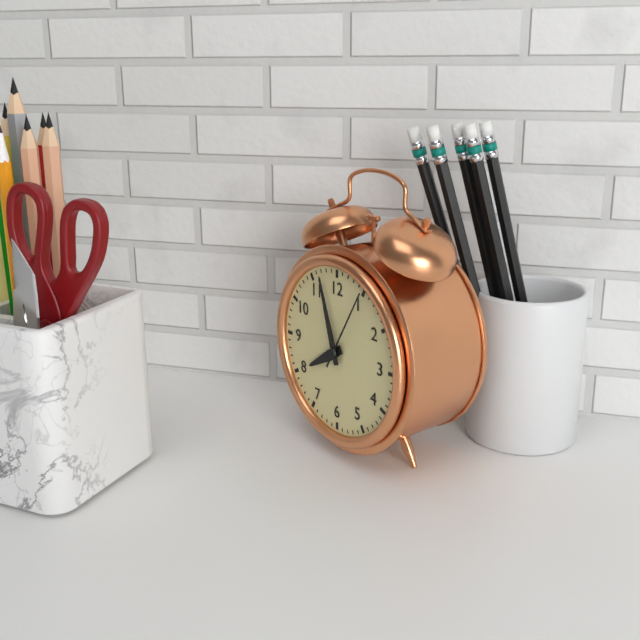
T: 7 h 57 min 05 s
